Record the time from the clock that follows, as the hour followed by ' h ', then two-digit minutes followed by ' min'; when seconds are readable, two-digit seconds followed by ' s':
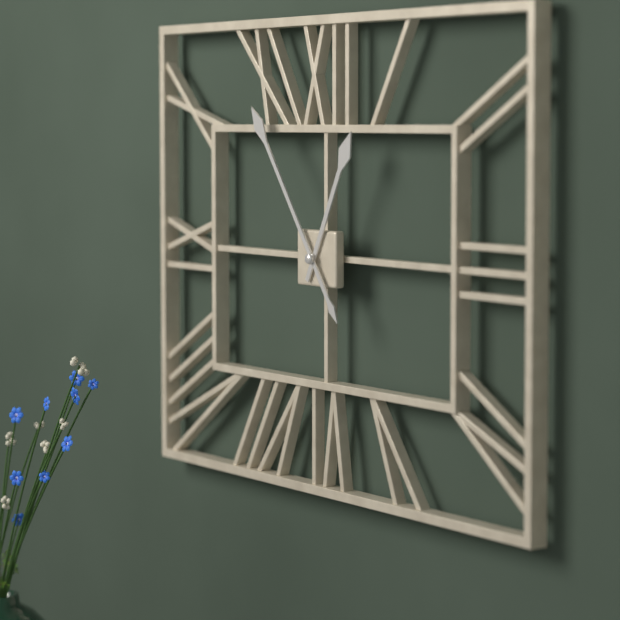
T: 12 h 54 min
